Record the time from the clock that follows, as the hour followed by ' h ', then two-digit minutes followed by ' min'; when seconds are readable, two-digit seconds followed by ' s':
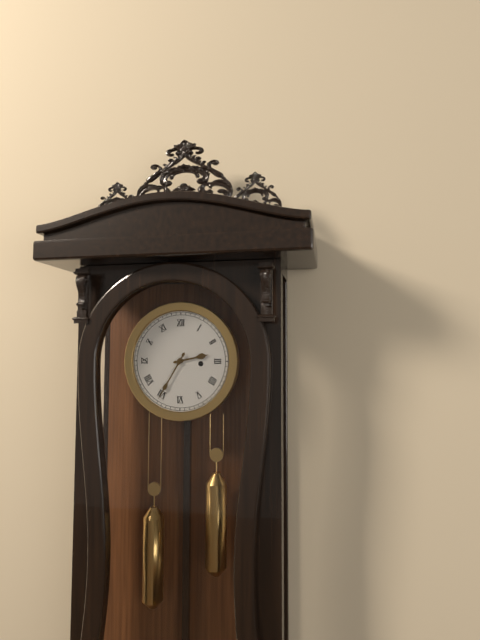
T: 2 h 35 min
